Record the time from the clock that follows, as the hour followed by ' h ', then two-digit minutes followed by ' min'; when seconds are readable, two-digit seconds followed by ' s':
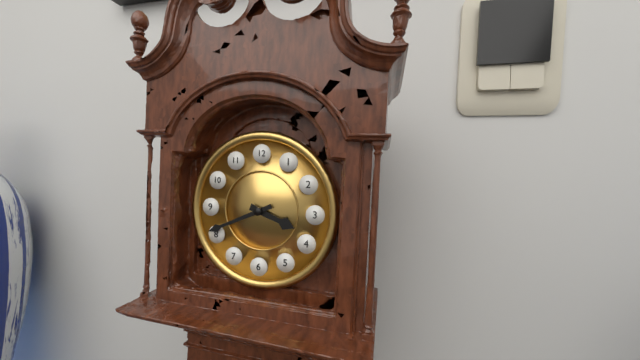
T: 3 h 41 min
